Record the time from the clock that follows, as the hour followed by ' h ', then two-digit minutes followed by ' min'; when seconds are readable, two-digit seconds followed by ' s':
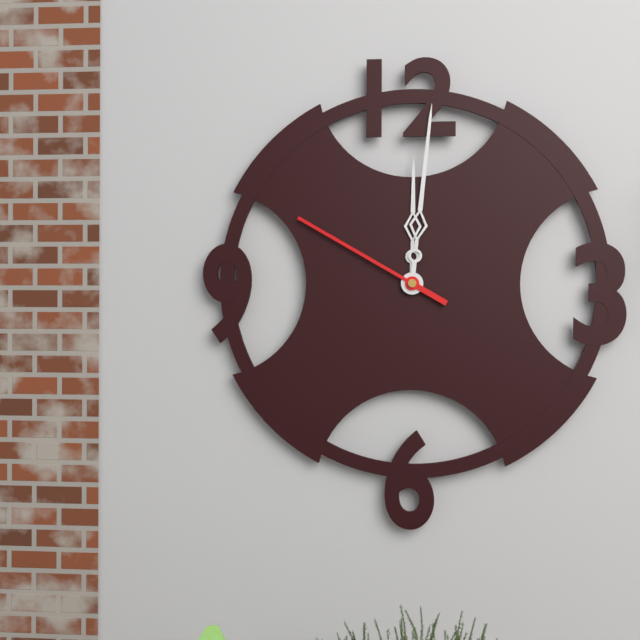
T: 12 h 01 min 50 s
